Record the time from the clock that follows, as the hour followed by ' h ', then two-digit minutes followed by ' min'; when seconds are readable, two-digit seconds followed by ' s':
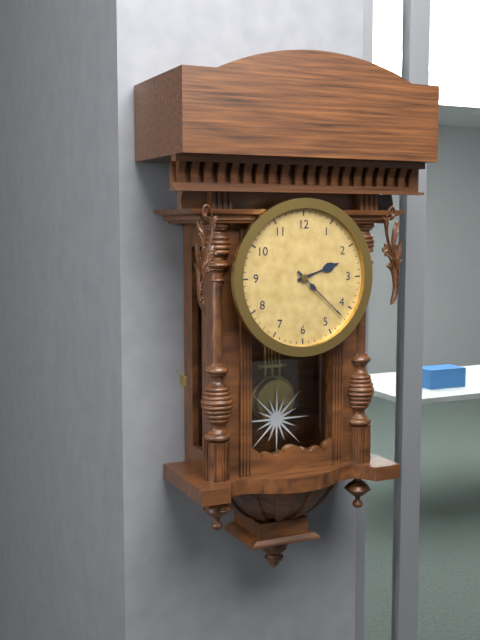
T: 2 h 22 min
